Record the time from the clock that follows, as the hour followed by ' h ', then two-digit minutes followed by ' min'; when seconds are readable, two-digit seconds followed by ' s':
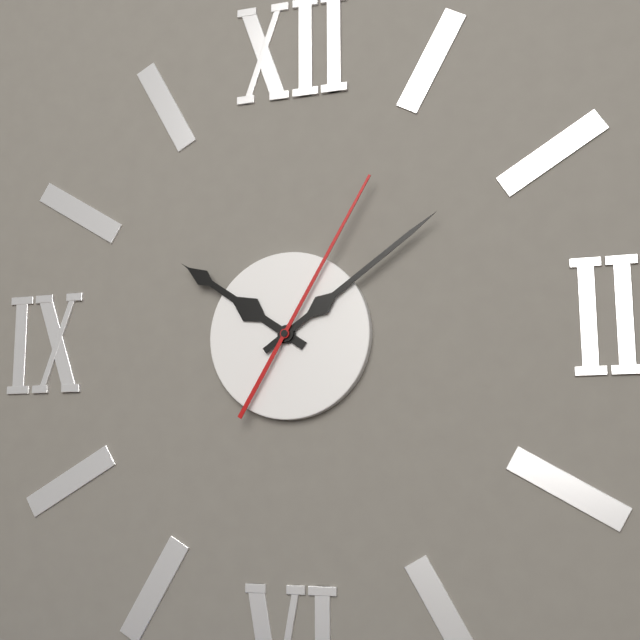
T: 10 h 09 min 05 s
